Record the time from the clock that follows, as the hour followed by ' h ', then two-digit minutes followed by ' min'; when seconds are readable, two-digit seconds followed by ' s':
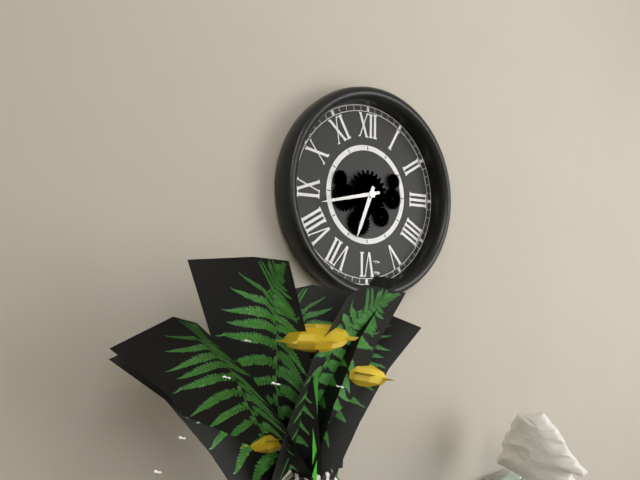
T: 6 h 43 min
